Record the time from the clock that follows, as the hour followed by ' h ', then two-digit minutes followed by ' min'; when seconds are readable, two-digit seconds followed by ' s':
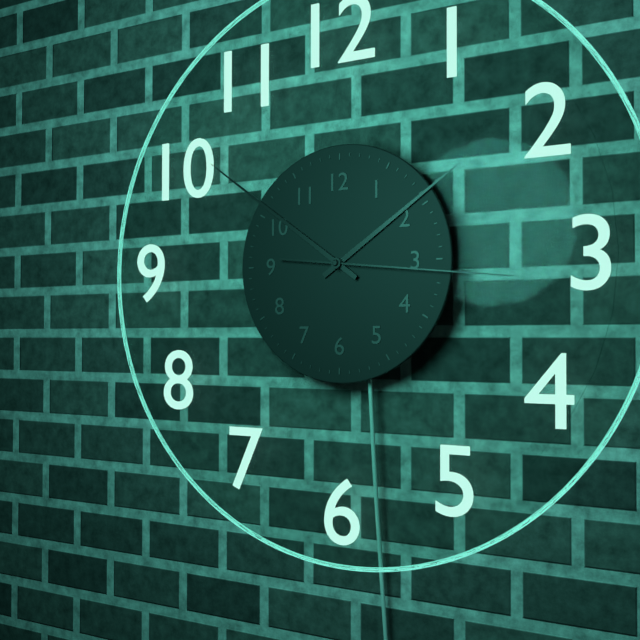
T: 1 h 51 min 16 s
